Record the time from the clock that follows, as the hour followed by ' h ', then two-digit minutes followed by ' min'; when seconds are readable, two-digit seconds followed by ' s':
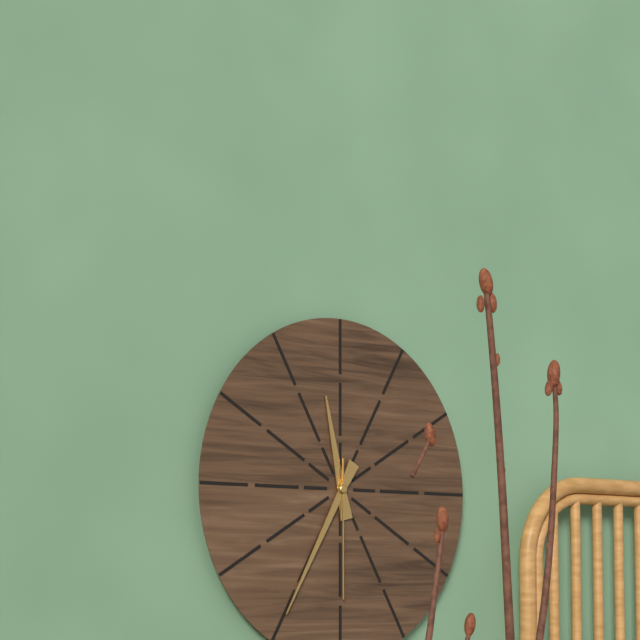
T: 11 h 35 min 30 s
